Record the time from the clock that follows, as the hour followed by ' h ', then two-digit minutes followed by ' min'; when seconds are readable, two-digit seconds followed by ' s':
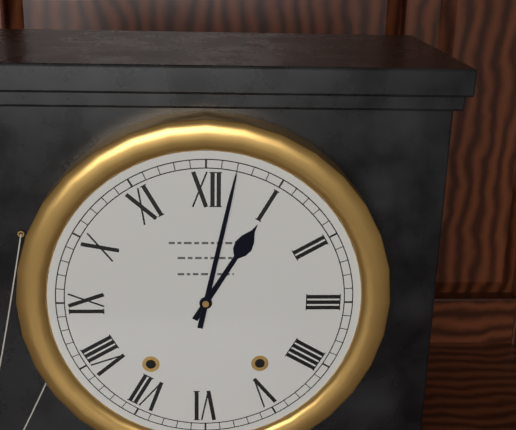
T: 1 h 02 min
